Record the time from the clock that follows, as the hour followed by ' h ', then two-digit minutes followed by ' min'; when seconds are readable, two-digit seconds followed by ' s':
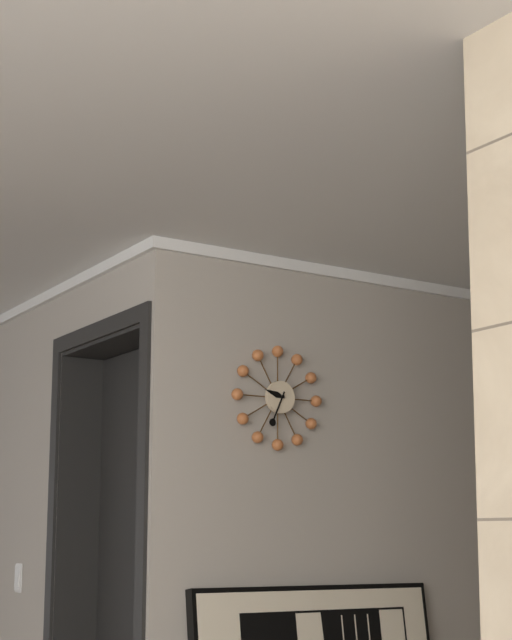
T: 9 h 34 min
